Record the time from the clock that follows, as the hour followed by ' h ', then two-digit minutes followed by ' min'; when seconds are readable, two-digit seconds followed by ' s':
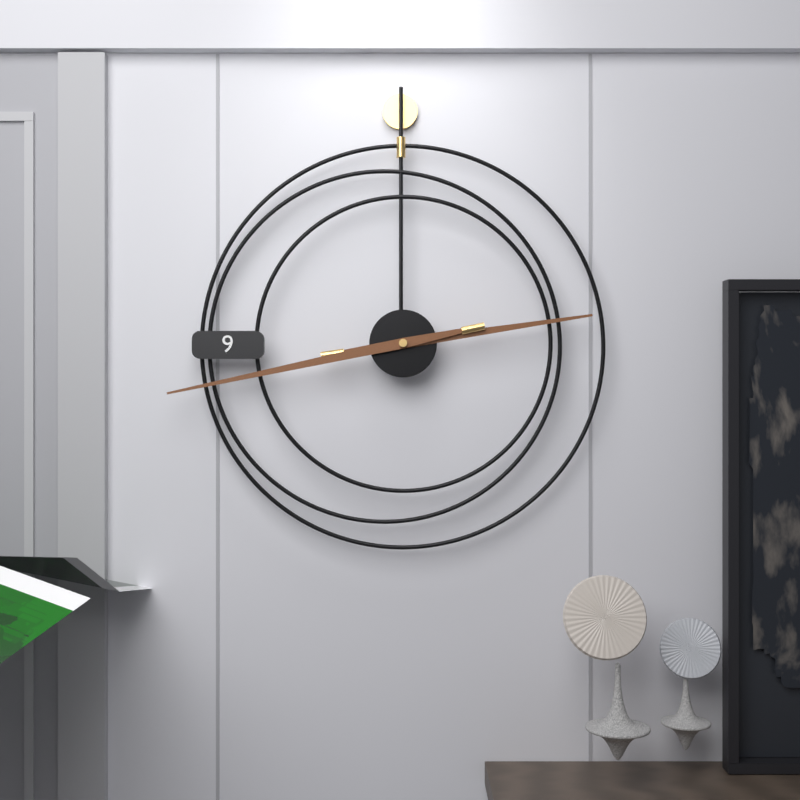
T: 2 h 43 min
